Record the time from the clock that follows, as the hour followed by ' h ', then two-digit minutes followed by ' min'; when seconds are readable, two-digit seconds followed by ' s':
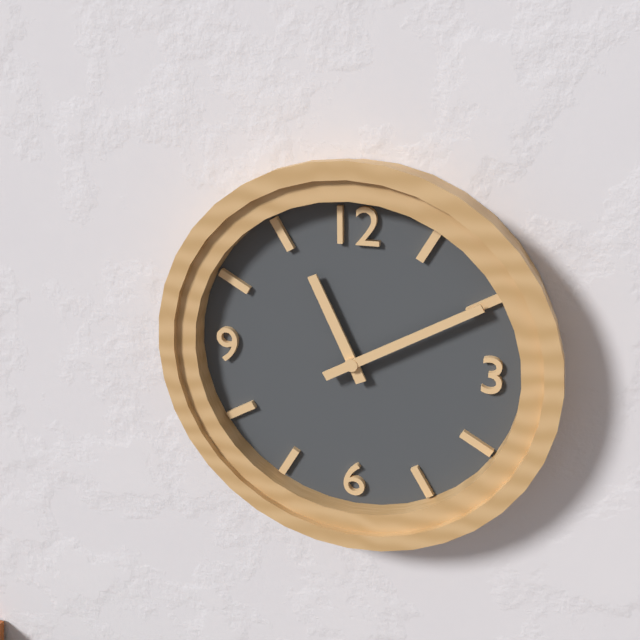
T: 11 h 10 min
